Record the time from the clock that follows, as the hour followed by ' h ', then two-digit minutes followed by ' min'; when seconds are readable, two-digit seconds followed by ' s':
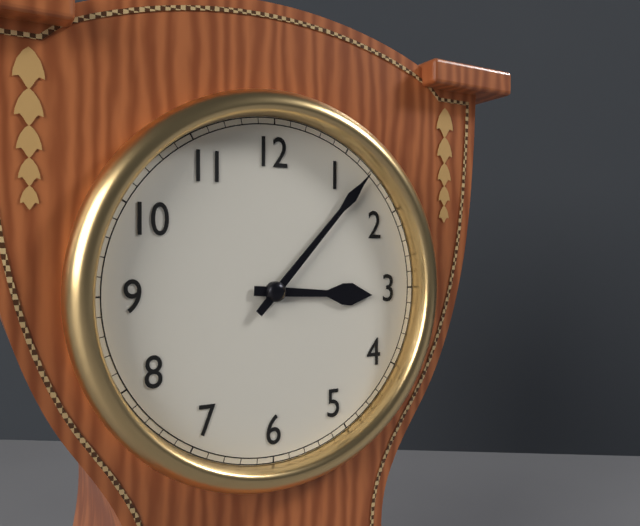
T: 3 h 07 min
